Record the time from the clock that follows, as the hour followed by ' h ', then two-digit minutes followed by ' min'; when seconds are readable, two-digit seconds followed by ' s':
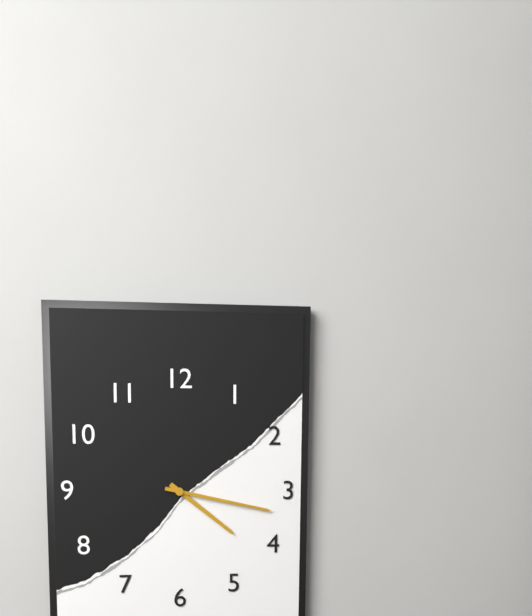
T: 4 h 17 min
